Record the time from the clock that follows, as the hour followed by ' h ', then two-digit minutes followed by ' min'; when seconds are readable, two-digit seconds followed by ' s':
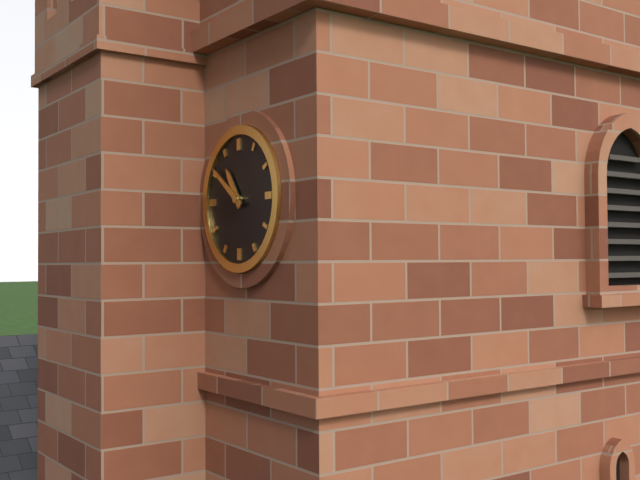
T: 10 h 51 min
